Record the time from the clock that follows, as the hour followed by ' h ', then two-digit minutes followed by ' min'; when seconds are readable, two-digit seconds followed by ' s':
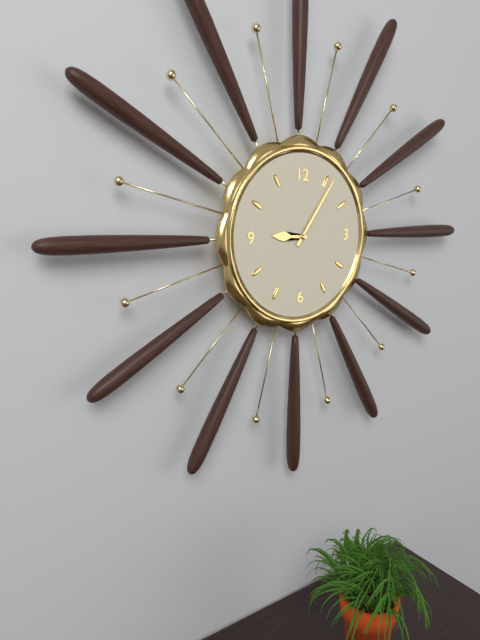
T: 9 h 06 min
